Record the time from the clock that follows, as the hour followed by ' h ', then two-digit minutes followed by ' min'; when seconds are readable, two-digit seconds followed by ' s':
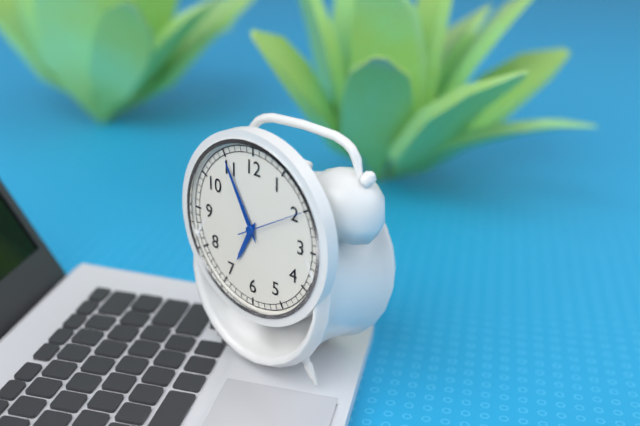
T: 6 h 55 min 10 s
